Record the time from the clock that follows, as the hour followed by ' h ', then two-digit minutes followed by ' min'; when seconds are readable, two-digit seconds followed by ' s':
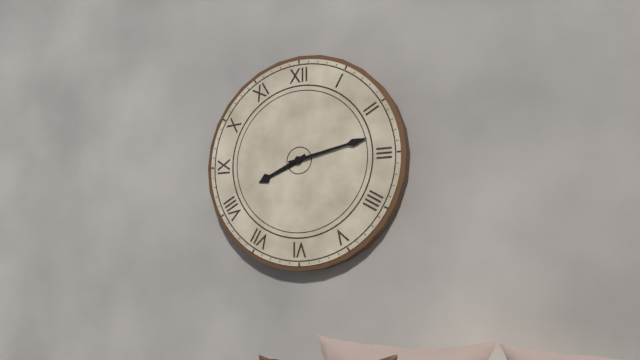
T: 8 h 13 min
